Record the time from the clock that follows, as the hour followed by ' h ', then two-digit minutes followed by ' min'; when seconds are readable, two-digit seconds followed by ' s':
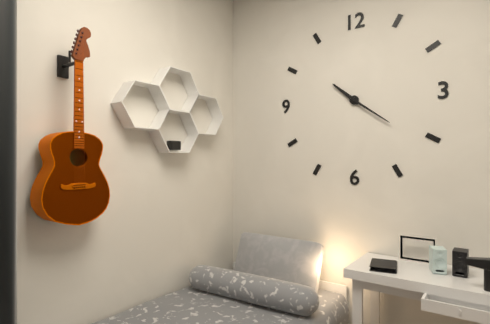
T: 10 h 21 min
